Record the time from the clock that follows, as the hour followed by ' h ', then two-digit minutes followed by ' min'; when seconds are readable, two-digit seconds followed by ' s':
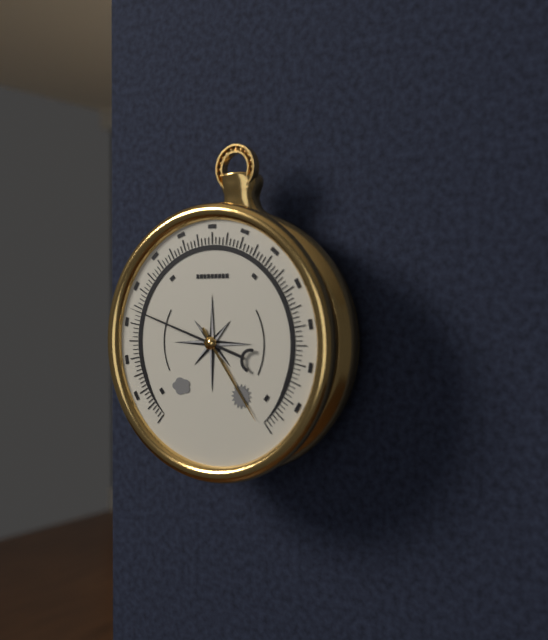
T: 4 h 48 min
